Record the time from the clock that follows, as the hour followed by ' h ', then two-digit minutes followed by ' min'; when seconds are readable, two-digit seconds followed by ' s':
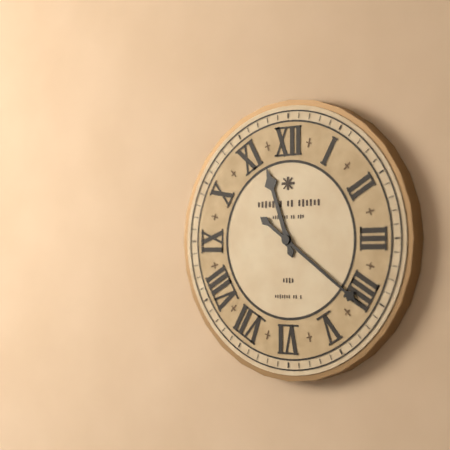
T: 11 h 21 min
